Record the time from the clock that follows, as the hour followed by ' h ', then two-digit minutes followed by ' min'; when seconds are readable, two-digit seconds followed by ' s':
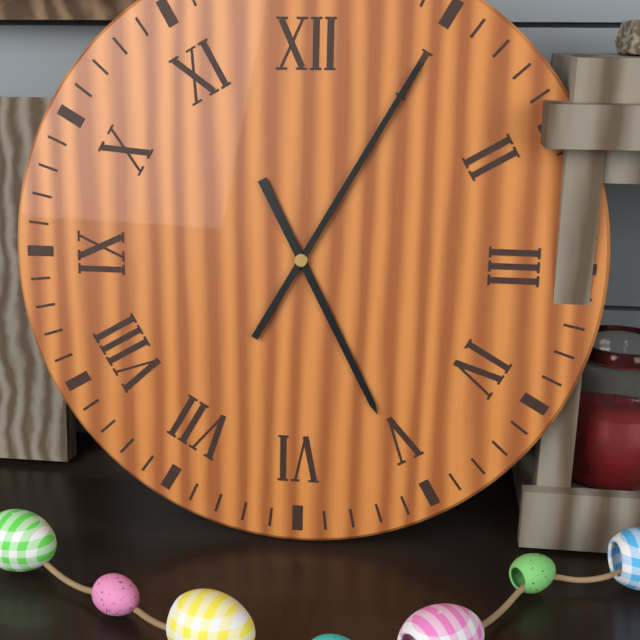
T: 5 h 05 min
